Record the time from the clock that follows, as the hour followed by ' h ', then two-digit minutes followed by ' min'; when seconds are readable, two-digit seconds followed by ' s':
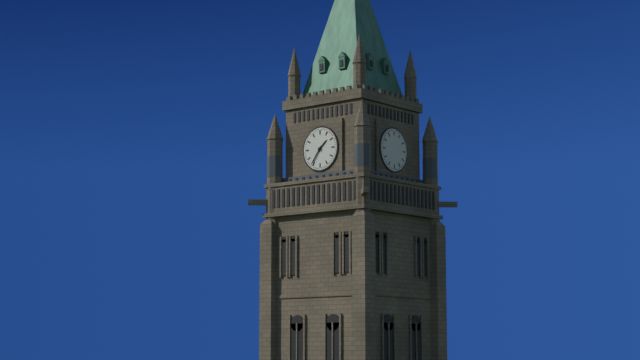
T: 1 h 36 min
